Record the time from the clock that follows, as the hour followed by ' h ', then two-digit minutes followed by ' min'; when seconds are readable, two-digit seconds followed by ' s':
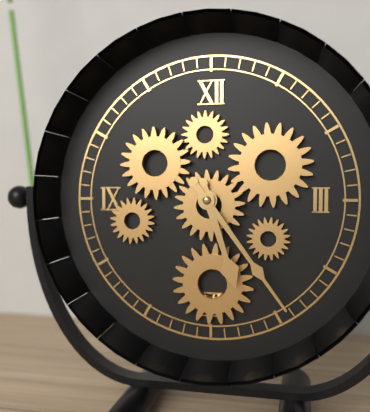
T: 5 h 24 min
